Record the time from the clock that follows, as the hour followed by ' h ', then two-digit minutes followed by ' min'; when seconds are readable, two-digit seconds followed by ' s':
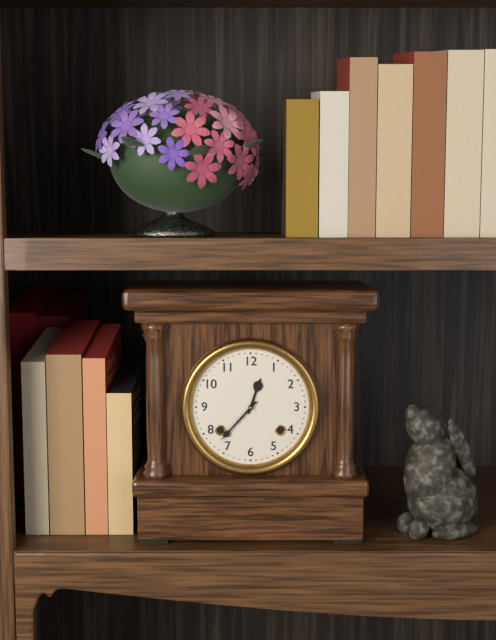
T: 12 h 37 min
